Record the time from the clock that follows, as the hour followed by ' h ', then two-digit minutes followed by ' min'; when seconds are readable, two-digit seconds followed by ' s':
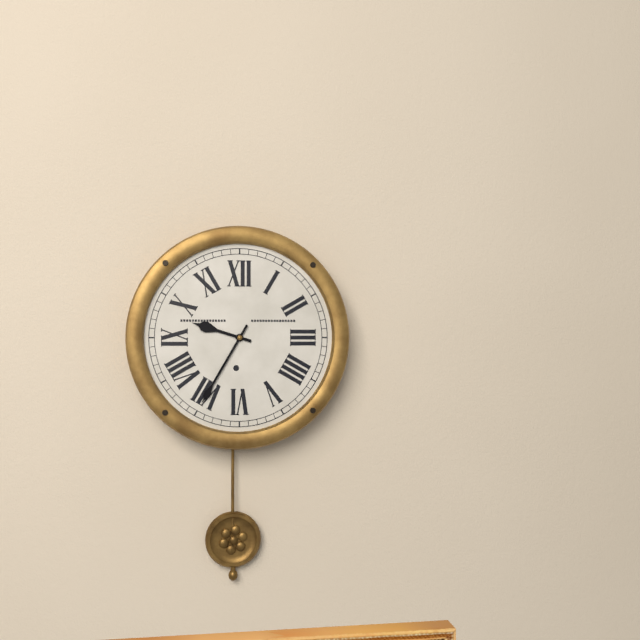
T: 9 h 35 min
